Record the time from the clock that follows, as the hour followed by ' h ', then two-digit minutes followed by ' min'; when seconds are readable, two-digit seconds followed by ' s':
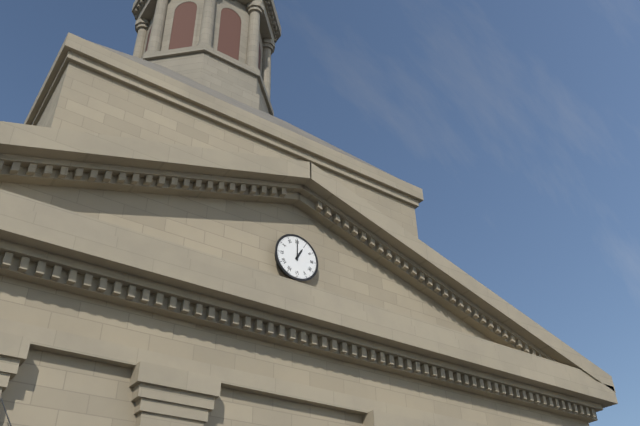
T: 1 h 00 min
